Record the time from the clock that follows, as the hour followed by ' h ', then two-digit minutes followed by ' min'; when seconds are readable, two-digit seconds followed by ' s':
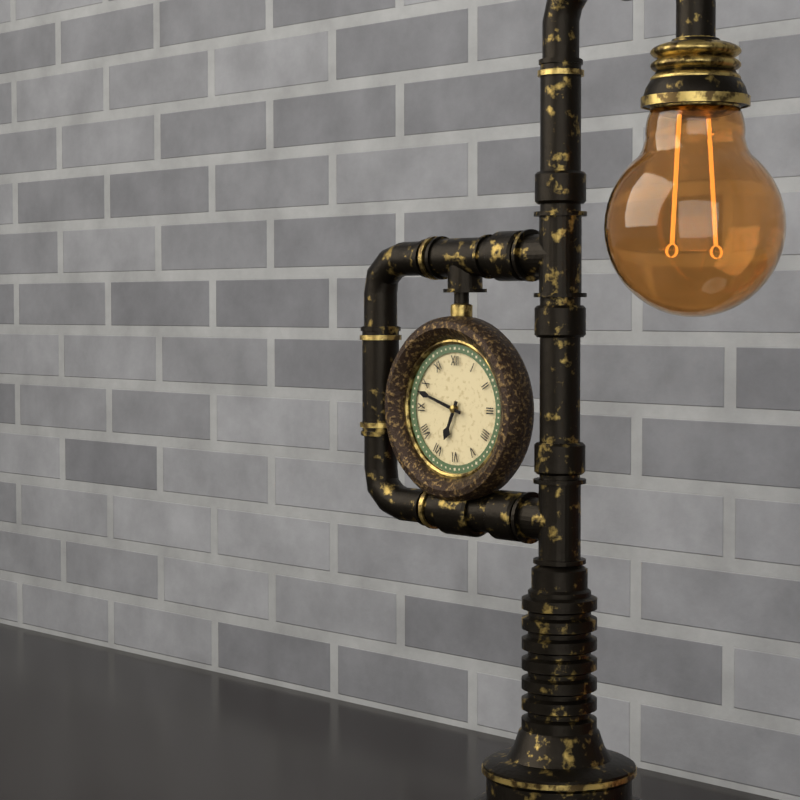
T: 6 h 48 min
